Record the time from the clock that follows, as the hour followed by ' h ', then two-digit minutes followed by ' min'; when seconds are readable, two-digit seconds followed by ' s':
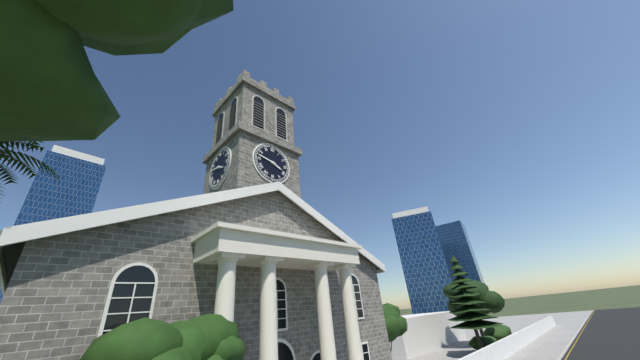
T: 3 h 47 min
